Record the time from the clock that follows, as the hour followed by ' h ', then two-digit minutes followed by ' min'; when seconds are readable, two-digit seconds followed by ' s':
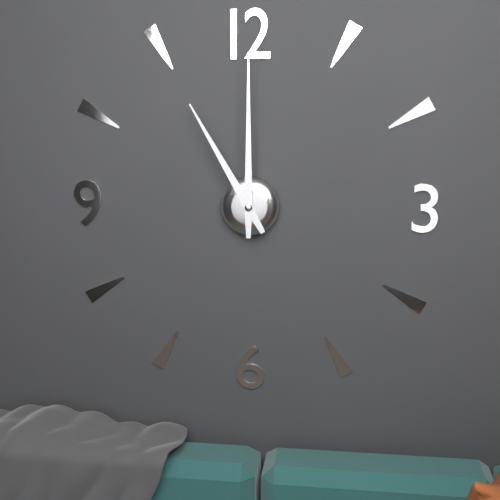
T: 11 h 00 min
